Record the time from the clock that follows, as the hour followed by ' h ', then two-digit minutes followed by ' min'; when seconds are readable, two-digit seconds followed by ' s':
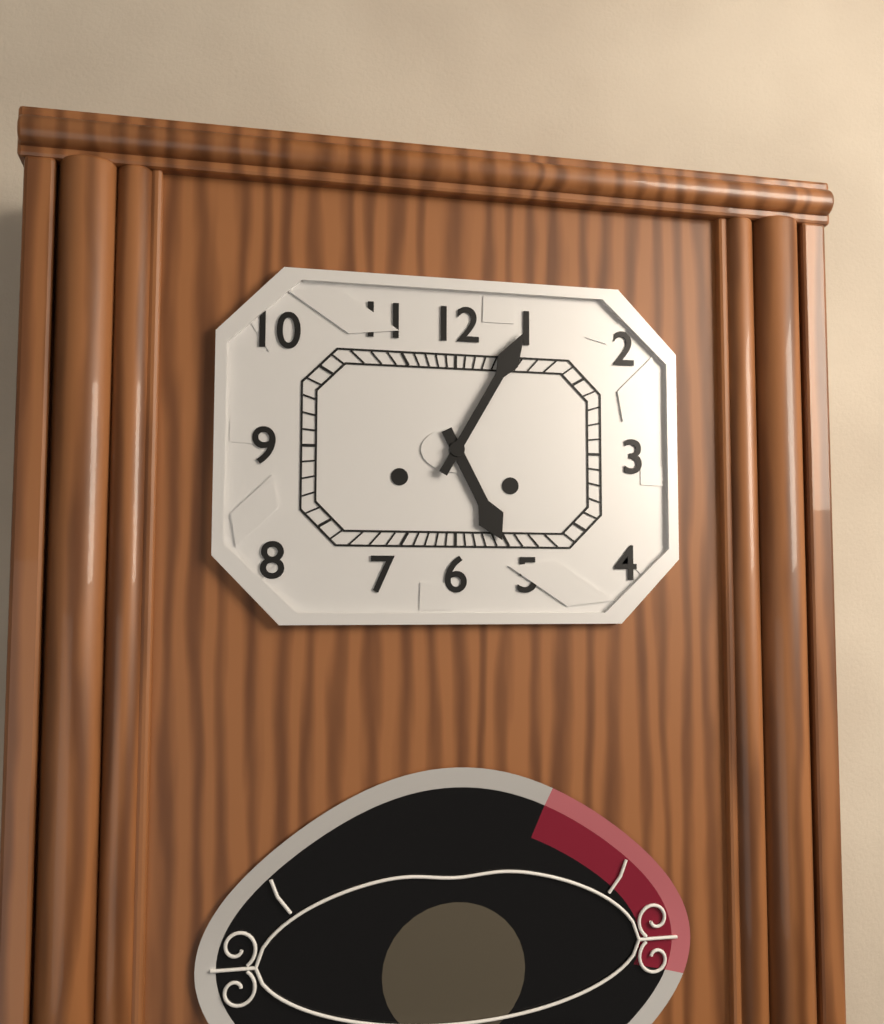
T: 5 h 05 min
